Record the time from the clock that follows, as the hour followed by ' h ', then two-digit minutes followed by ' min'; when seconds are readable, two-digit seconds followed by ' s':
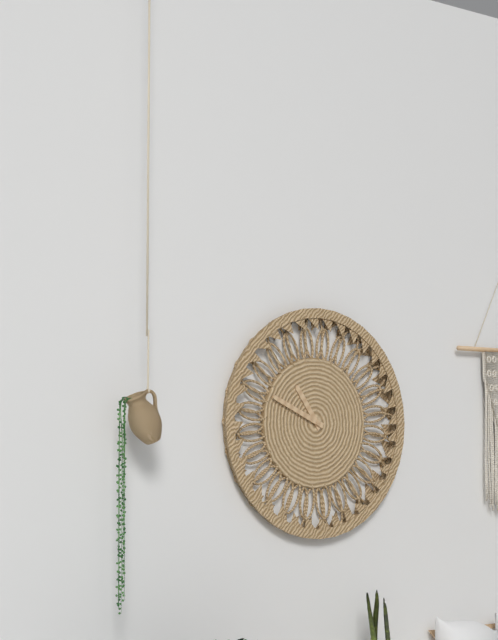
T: 10 h 49 min
